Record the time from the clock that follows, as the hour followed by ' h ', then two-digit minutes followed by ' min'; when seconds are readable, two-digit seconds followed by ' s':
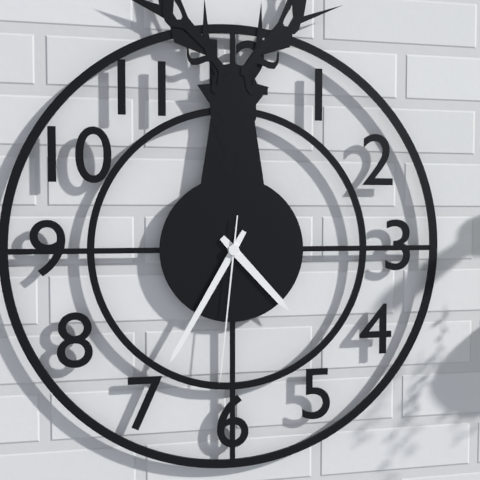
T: 4 h 35 min 31 s
